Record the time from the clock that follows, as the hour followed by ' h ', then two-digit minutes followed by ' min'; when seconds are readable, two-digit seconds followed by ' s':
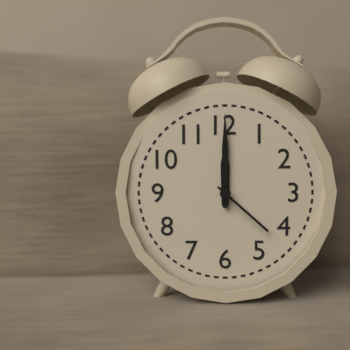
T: 12 h 00 min 22 s
